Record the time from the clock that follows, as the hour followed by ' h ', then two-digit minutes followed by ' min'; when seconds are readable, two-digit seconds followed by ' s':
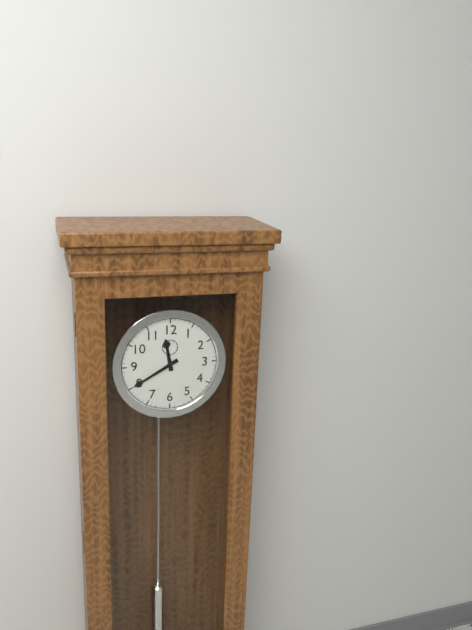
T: 11 h 40 min
